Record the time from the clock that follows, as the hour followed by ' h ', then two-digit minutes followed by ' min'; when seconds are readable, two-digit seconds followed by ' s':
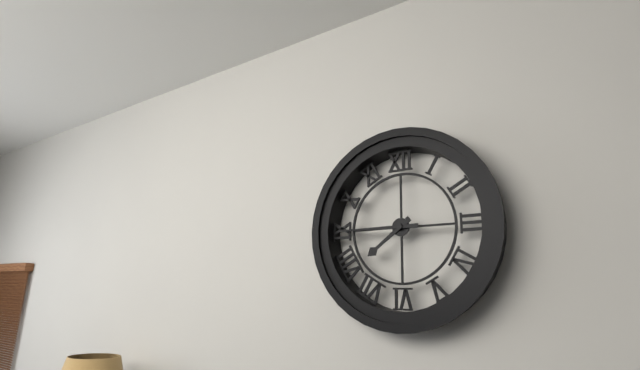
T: 7 h 45 min
